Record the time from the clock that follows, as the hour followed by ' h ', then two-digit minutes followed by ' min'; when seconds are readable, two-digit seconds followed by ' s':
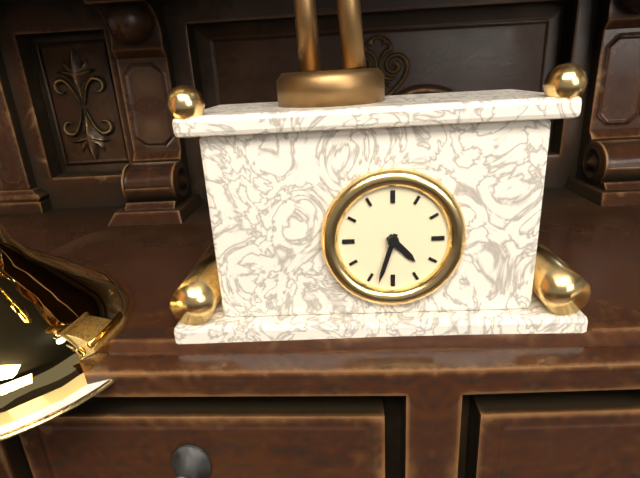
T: 4 h 33 min
